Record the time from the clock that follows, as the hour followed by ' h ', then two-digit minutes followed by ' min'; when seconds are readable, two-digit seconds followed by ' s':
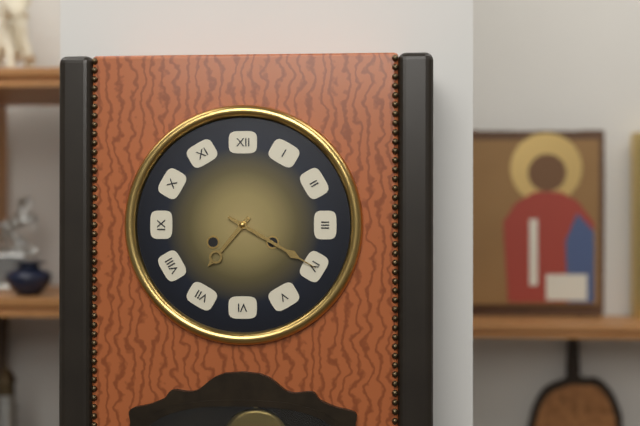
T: 7 h 20 min
